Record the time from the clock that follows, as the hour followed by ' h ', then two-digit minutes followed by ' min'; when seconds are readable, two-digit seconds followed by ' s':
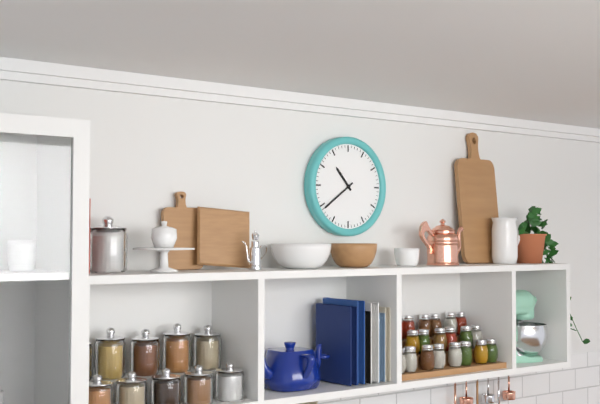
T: 10 h 39 min
